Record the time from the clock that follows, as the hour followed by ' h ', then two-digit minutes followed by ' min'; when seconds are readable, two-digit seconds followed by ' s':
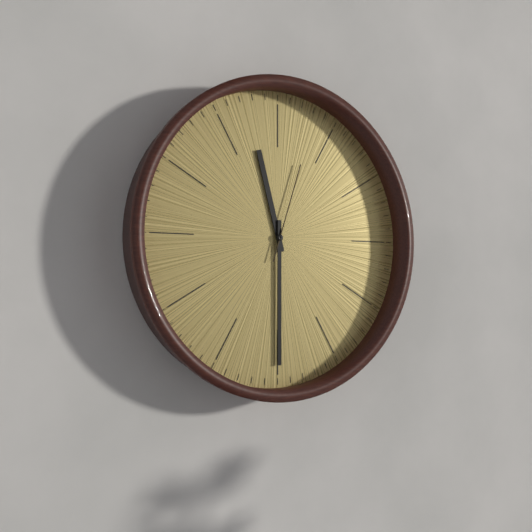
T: 11 h 30 min 03 s
